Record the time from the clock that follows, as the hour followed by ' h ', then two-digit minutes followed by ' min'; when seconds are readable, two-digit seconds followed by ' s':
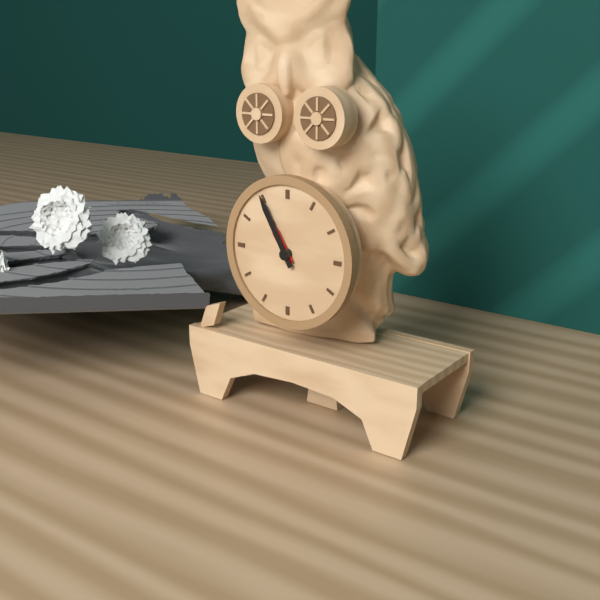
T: 10 h 55 min
